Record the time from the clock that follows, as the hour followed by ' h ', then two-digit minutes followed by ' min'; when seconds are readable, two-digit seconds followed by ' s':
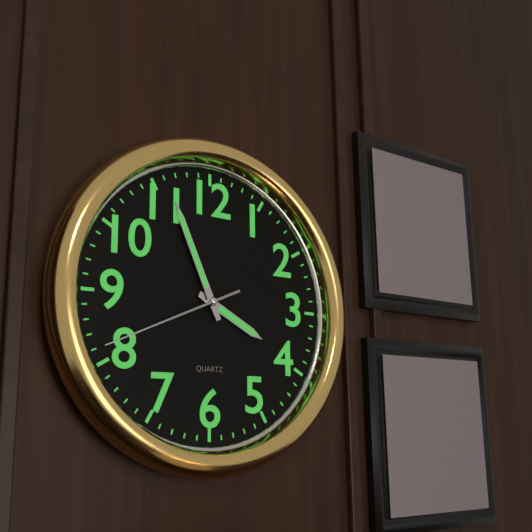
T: 3 h 56 min 41 s
